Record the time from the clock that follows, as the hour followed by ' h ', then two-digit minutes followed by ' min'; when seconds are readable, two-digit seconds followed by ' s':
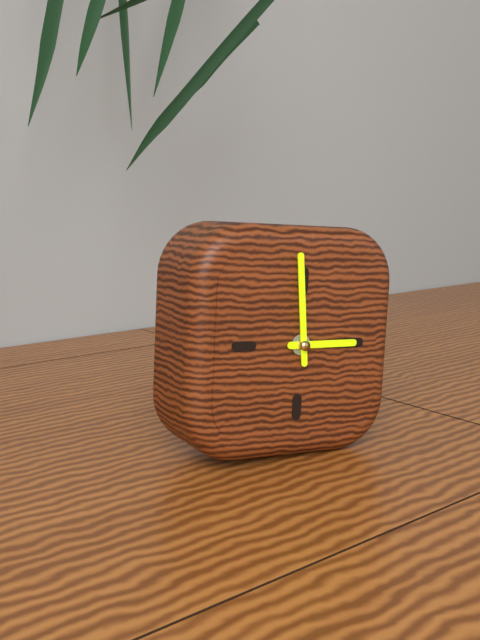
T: 2 h 59 min
